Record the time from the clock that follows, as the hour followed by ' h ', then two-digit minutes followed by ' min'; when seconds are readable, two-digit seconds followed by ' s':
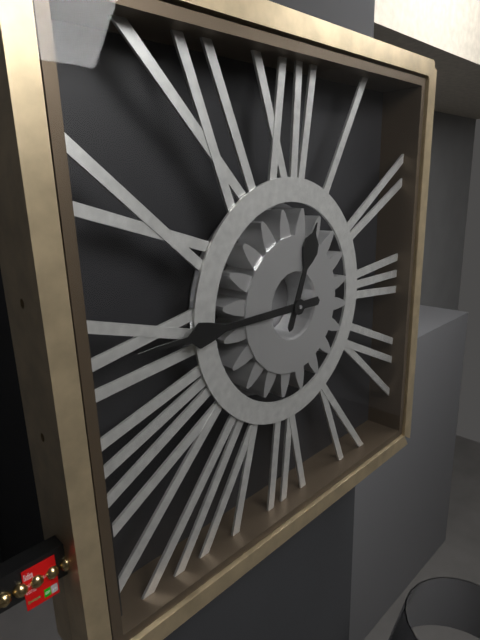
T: 12 h 45 min
